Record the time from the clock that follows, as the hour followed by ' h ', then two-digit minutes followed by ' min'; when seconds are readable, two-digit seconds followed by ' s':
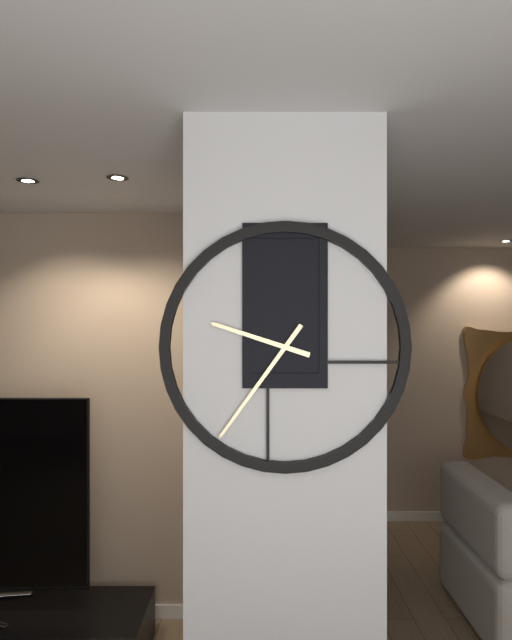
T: 9 h 36 min
